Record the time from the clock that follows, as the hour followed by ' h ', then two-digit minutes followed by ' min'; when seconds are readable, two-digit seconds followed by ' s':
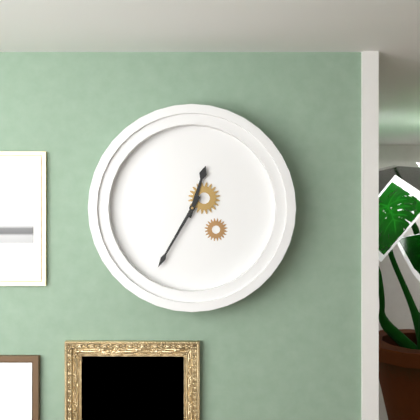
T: 12 h 35 min
